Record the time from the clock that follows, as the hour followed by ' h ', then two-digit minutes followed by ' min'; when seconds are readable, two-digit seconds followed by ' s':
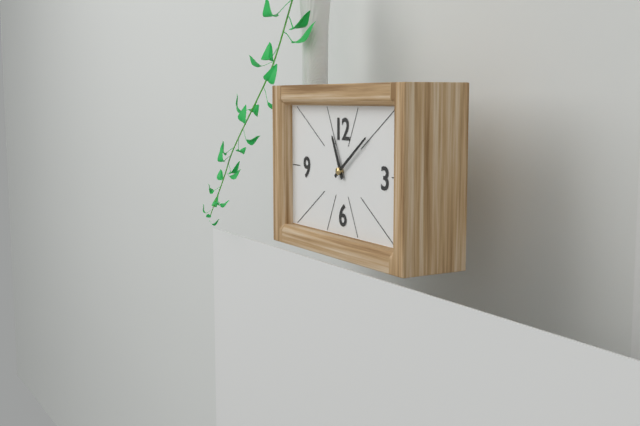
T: 11 h 09 min
